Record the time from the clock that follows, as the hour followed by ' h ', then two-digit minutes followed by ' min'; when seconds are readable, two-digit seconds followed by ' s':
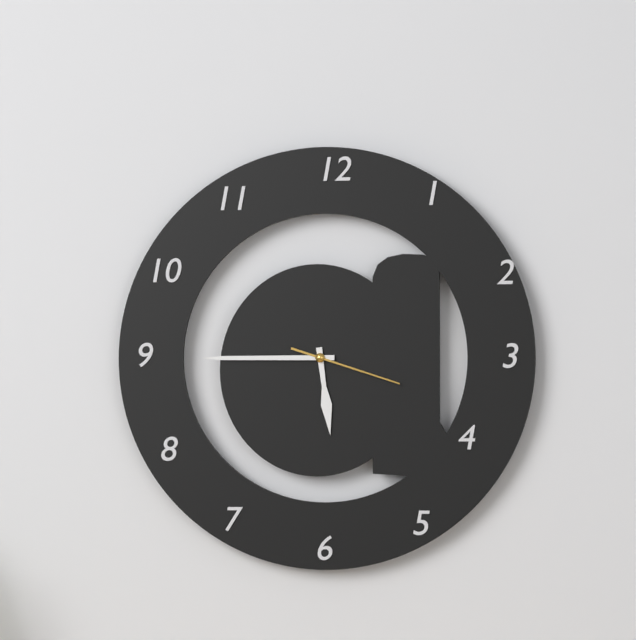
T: 5 h 45 min 18 s
